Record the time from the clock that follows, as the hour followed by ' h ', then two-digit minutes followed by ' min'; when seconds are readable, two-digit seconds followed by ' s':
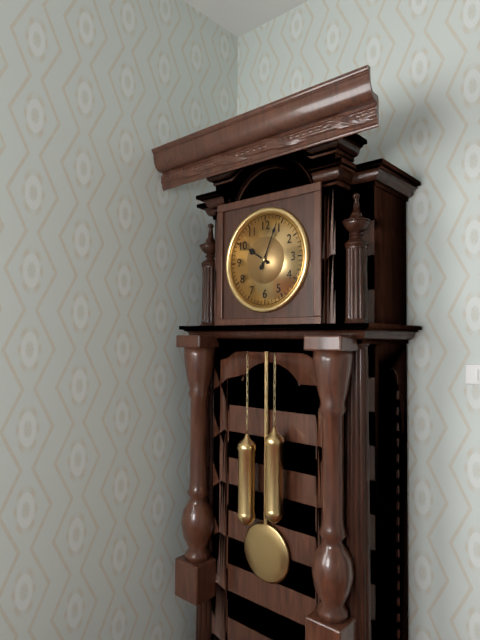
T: 10 h 04 min
